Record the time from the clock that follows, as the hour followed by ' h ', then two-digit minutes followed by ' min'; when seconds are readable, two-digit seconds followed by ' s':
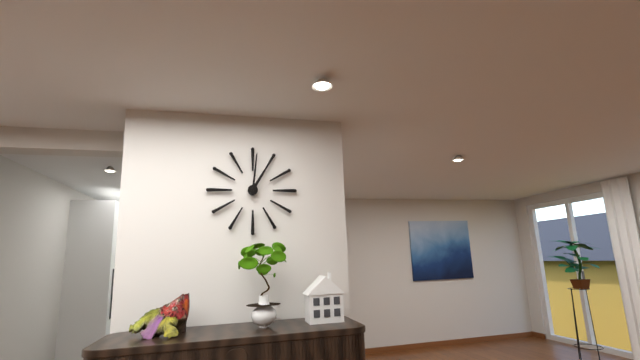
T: 1 h 01 min
